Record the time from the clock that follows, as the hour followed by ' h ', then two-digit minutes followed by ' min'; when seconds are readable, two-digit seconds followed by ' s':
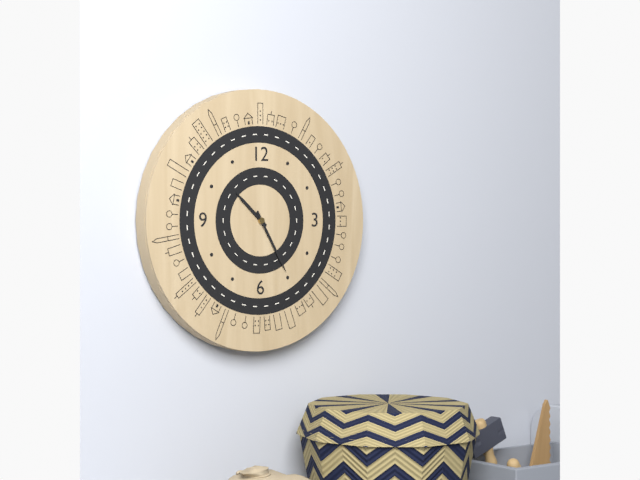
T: 10 h 25 min
